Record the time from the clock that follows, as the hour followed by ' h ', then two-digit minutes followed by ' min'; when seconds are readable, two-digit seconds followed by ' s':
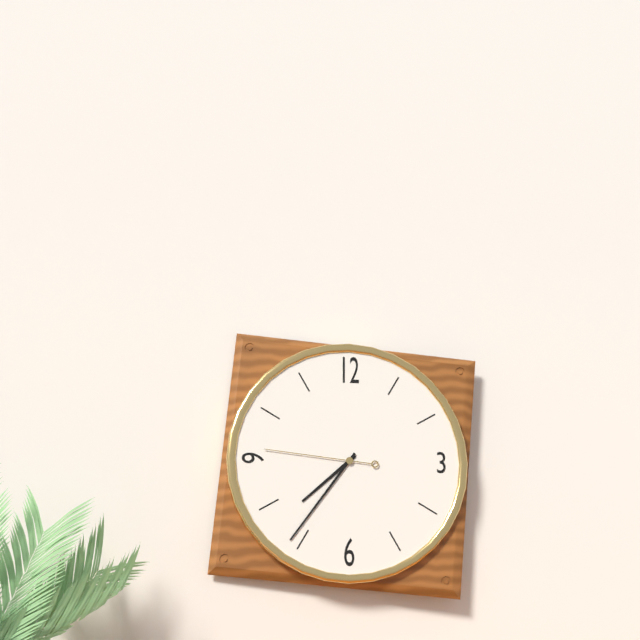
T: 7 h 36 min 46 s
